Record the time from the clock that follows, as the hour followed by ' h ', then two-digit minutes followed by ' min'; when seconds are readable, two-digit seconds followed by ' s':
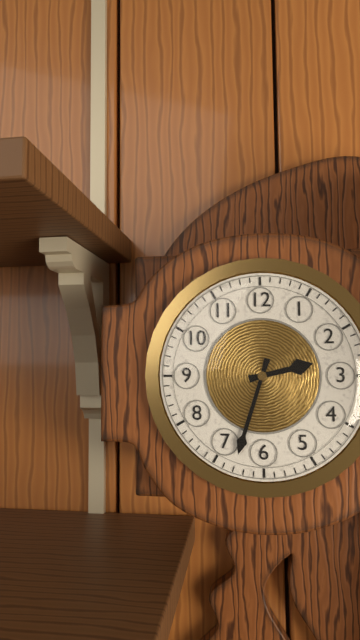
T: 2 h 33 min
